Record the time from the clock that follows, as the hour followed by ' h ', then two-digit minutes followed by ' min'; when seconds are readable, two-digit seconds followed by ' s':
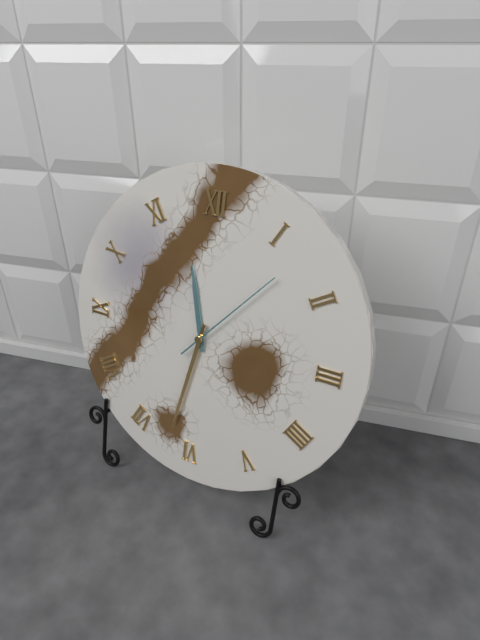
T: 11 h 32 min 07 s
